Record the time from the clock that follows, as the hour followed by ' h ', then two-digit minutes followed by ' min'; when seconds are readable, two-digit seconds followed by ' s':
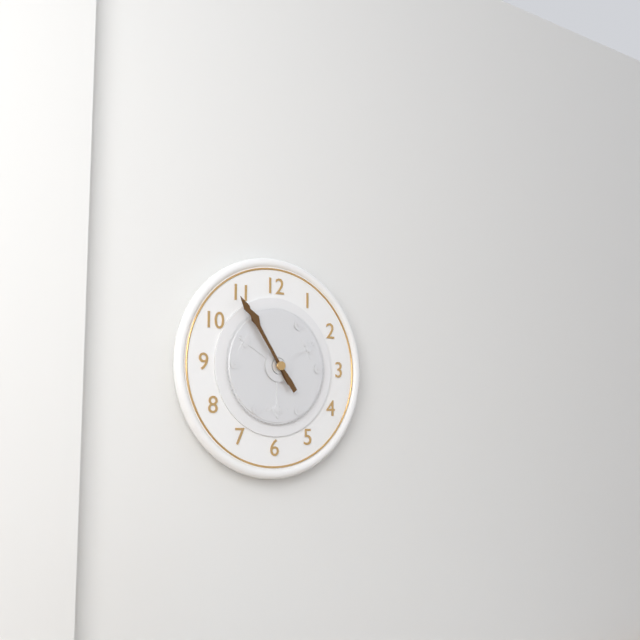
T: 10 h 54 min
